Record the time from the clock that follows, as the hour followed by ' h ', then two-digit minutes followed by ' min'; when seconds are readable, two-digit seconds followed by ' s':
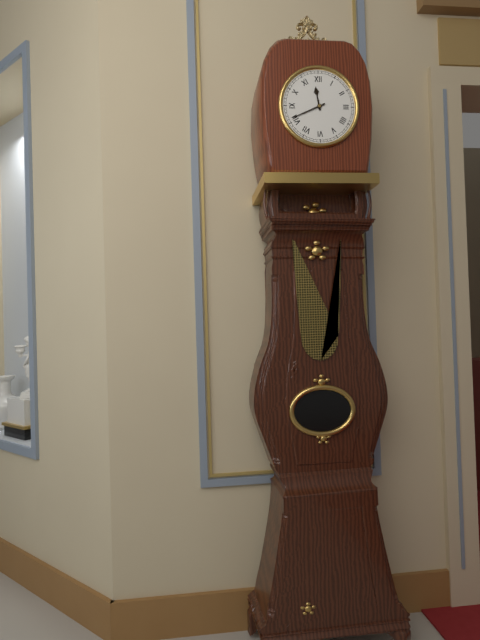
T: 11 h 41 min
